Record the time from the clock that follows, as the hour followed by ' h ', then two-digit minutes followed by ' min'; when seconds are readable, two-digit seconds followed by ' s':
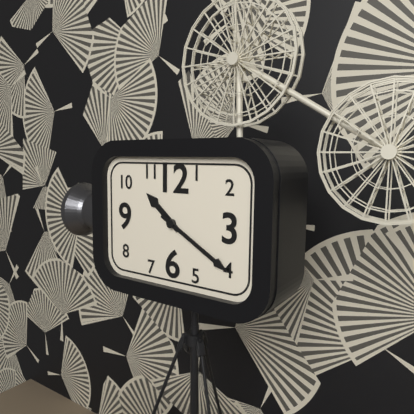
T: 10 h 20 min
